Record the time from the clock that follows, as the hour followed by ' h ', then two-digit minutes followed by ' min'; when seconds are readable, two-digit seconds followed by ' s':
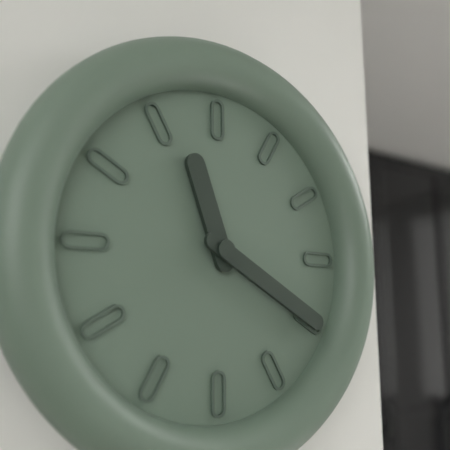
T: 11 h 20 min
